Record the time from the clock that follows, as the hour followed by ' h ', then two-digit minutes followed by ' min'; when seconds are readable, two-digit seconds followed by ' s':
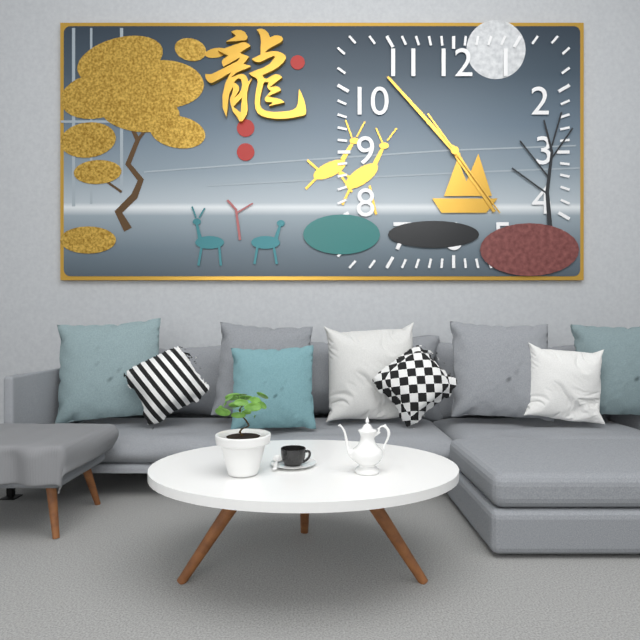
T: 4 h 53 min 24 s
